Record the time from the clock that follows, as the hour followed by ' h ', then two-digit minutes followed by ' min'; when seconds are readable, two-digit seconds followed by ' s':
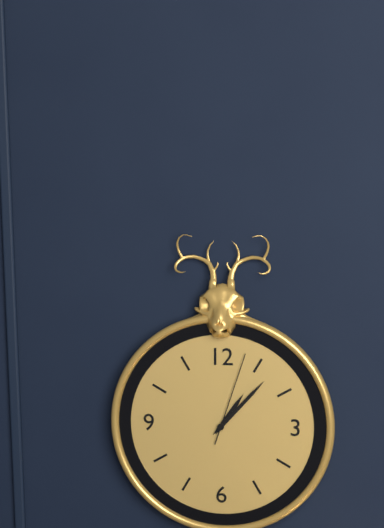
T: 1 h 07 min 03 s
